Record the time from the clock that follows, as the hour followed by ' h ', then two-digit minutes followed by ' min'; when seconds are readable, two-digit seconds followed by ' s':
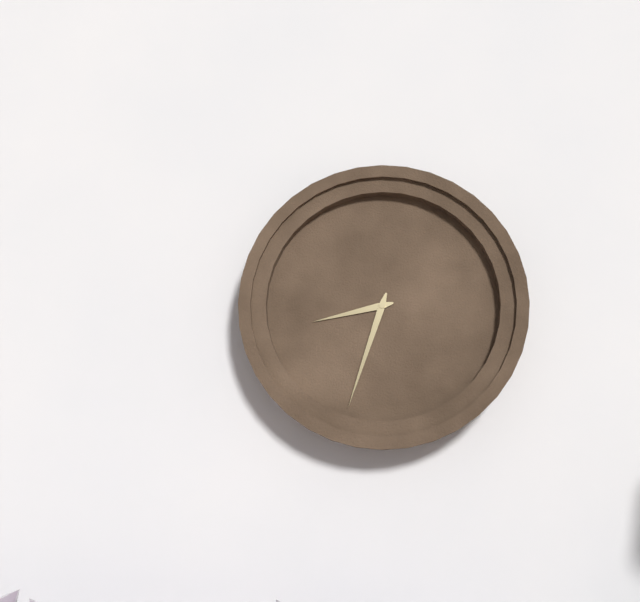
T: 8 h 33 min
